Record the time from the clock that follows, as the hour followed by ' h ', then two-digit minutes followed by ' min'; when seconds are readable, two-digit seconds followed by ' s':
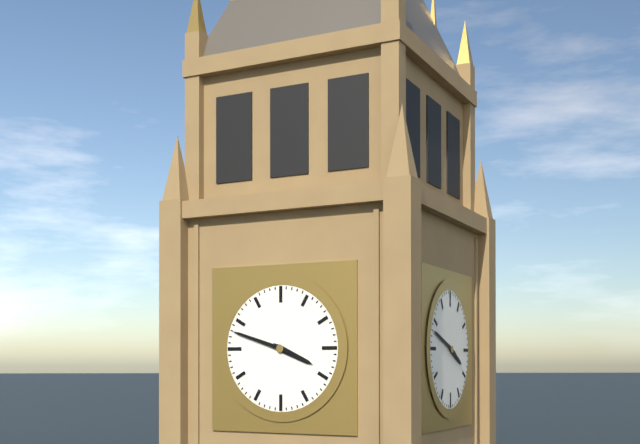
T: 3 h 48 min
